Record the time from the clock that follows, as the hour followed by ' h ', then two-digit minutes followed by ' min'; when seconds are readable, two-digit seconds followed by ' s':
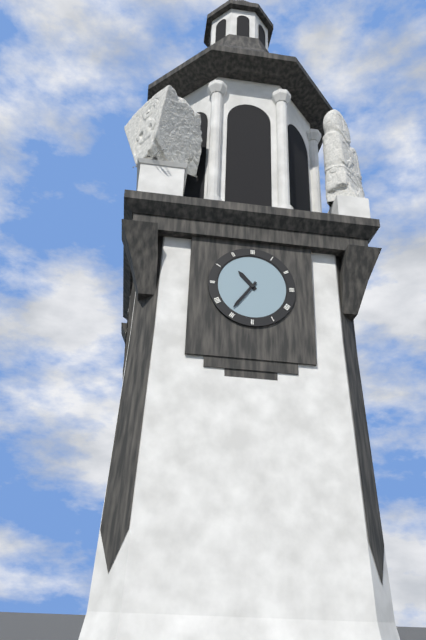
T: 10 h 36 min
